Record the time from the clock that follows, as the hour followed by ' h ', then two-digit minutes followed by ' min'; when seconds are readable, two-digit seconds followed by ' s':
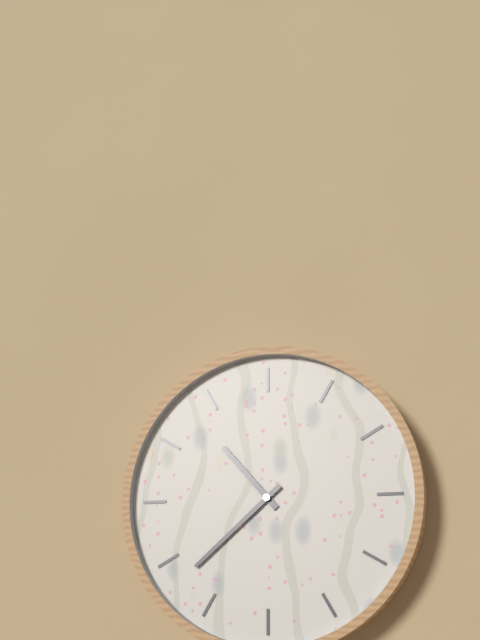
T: 10 h 38 min
